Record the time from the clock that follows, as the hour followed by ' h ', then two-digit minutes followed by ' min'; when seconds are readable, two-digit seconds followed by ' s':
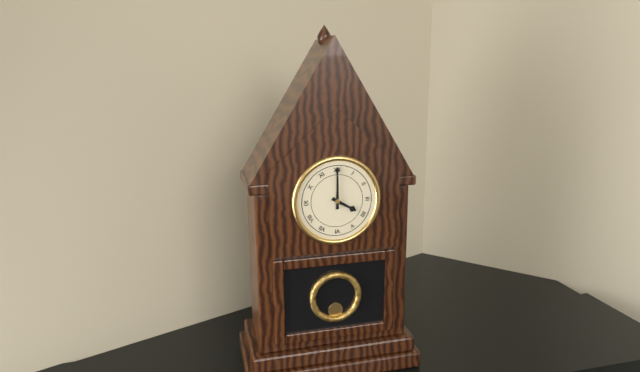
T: 4 h 00 min
